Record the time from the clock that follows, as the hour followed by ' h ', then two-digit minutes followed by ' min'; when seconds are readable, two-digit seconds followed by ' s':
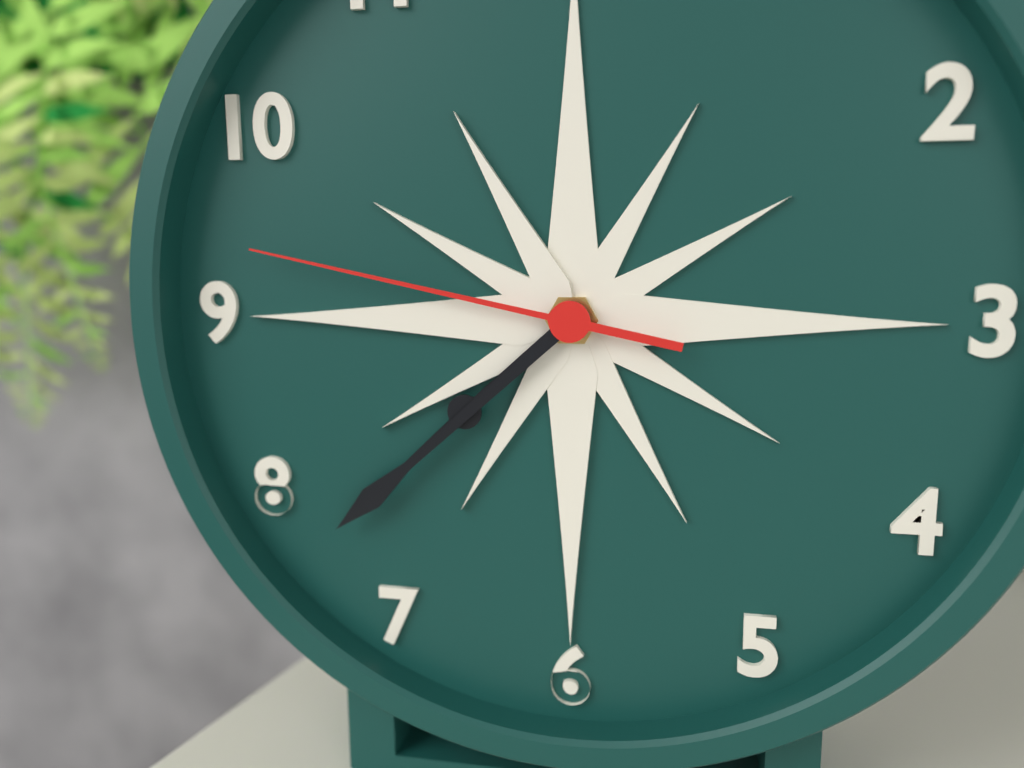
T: 7 h 38 min 47 s
